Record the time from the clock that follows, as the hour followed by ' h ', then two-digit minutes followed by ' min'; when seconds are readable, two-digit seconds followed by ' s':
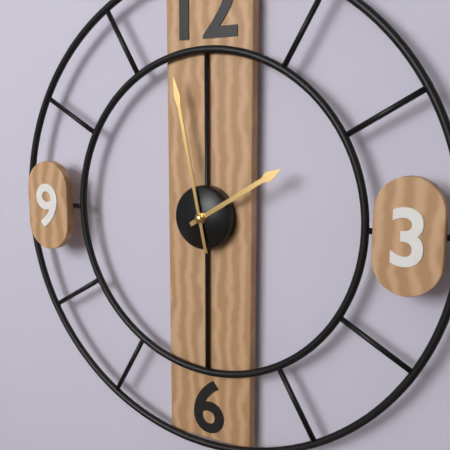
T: 1 h 58 min
